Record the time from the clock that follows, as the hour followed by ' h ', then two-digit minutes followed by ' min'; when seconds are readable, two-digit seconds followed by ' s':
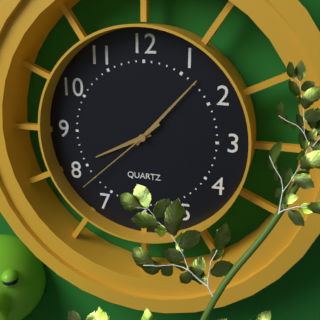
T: 8 h 07 min 38 s
